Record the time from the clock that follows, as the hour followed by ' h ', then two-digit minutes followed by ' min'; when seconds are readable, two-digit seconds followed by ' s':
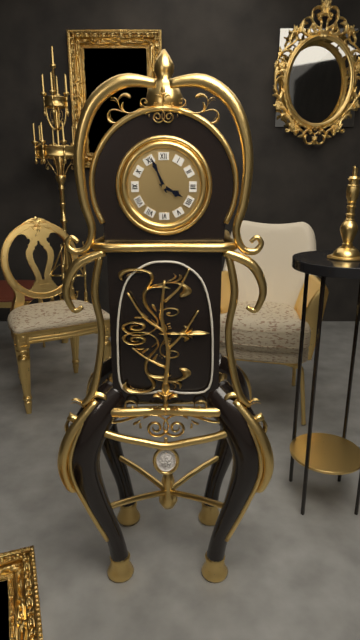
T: 3 h 56 min
